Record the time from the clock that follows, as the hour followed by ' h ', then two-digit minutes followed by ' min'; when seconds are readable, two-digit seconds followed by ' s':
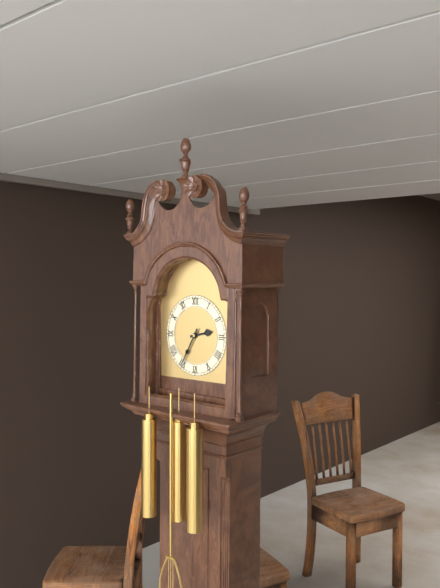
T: 2 h 35 min
